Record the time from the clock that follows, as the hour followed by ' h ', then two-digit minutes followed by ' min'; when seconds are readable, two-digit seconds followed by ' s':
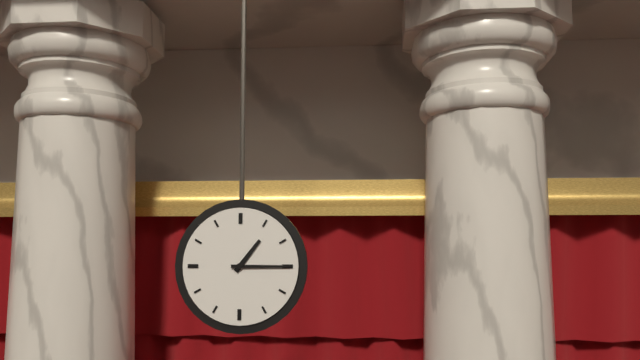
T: 1 h 15 min
